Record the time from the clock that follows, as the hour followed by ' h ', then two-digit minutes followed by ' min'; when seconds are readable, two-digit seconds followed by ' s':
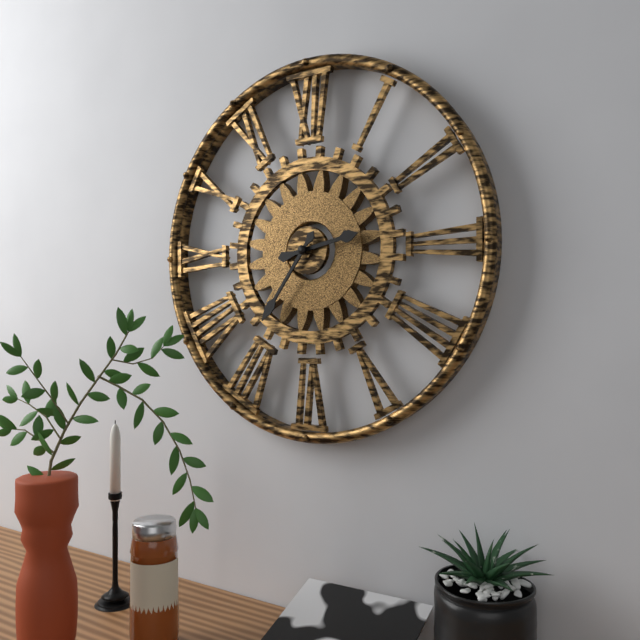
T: 2 h 36 min
